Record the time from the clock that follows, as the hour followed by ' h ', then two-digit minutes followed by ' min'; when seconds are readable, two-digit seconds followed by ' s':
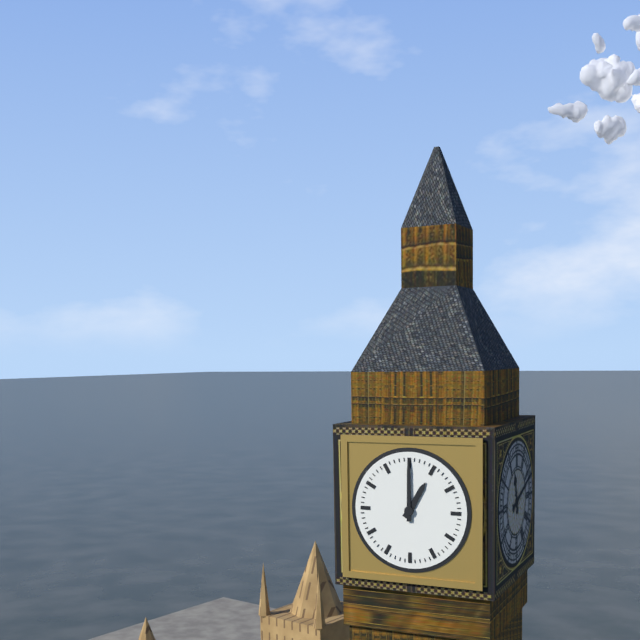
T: 1 h 00 min
